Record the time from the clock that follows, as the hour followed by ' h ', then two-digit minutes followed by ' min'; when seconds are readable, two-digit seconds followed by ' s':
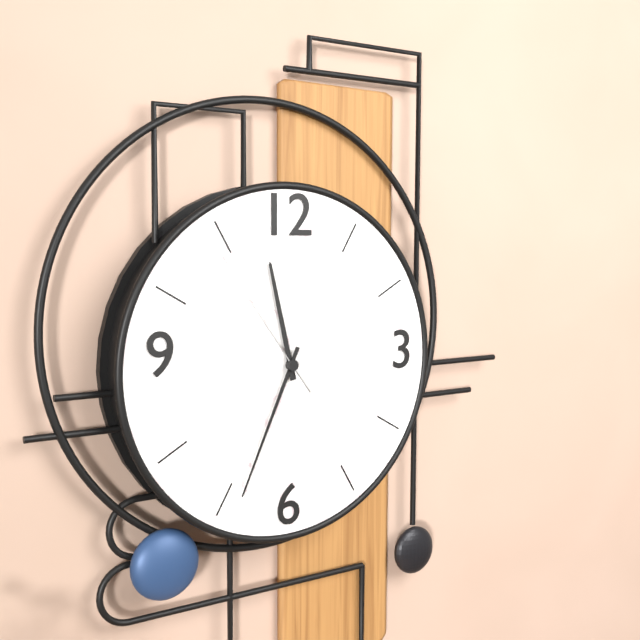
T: 11 h 34 min 54 s
